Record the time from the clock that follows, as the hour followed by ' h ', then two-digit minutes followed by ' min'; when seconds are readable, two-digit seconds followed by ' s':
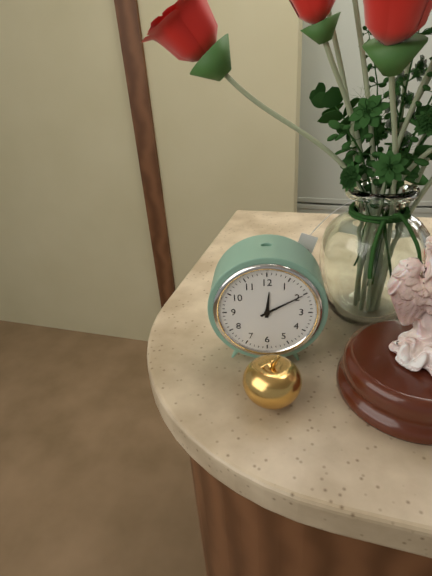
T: 12 h 10 min
